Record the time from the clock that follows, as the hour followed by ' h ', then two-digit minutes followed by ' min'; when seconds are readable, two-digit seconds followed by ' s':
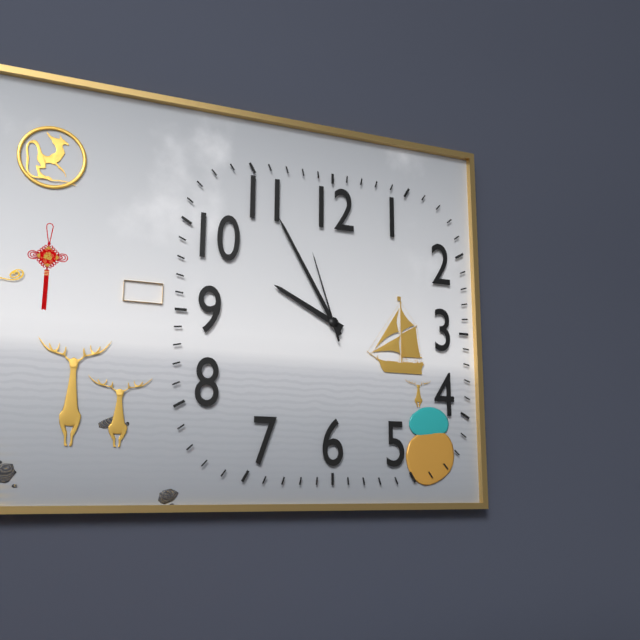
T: 9 h 55 min 57 s
